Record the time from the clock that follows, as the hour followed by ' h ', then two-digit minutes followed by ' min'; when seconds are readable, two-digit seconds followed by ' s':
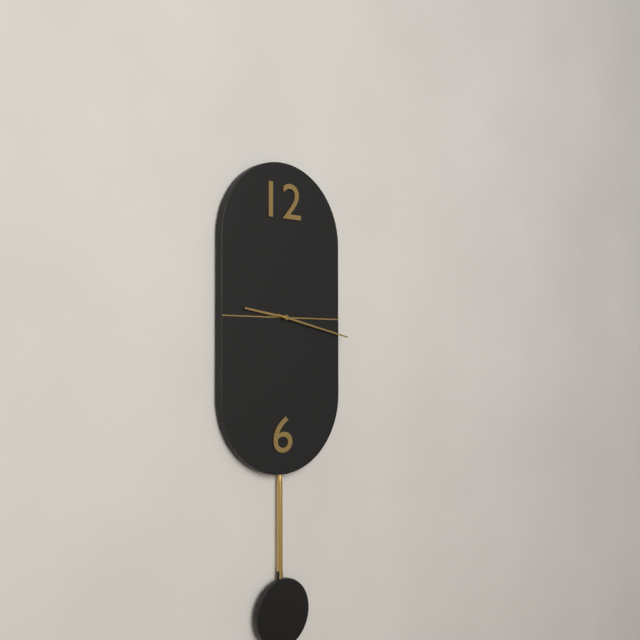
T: 9 h 17 min
